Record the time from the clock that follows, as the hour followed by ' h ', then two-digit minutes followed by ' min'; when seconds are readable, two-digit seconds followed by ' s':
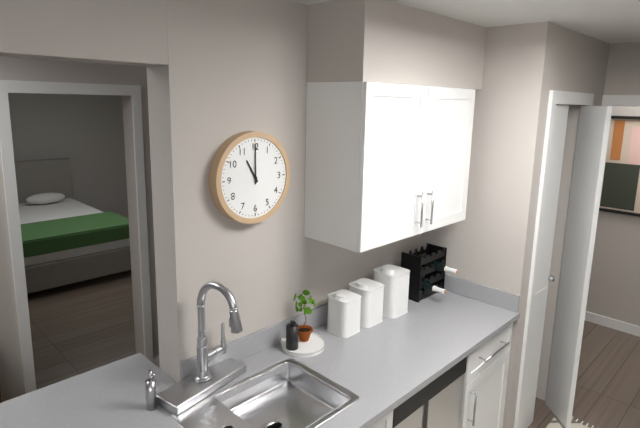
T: 11 h 00 min
